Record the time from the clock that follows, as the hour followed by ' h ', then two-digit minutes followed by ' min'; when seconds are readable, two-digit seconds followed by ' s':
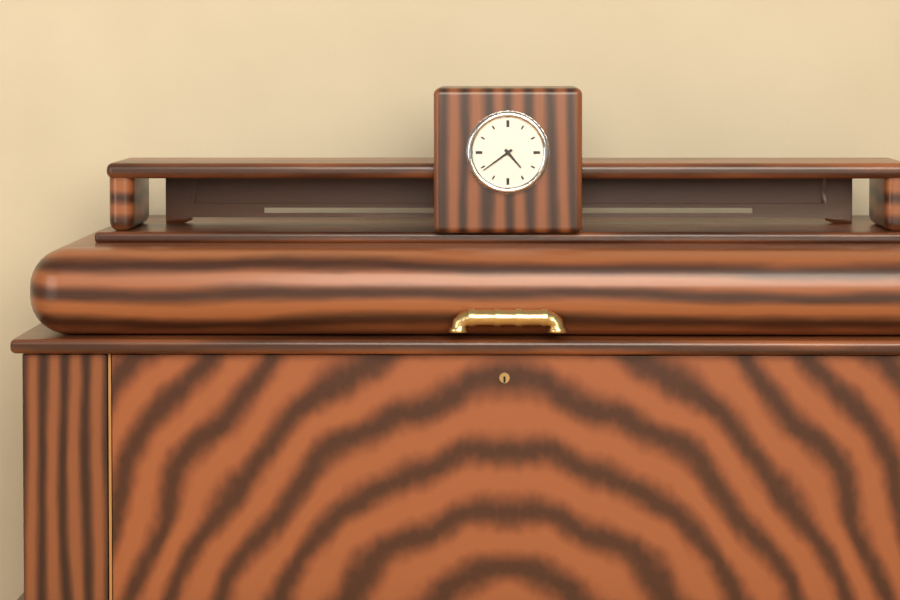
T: 4 h 39 min
